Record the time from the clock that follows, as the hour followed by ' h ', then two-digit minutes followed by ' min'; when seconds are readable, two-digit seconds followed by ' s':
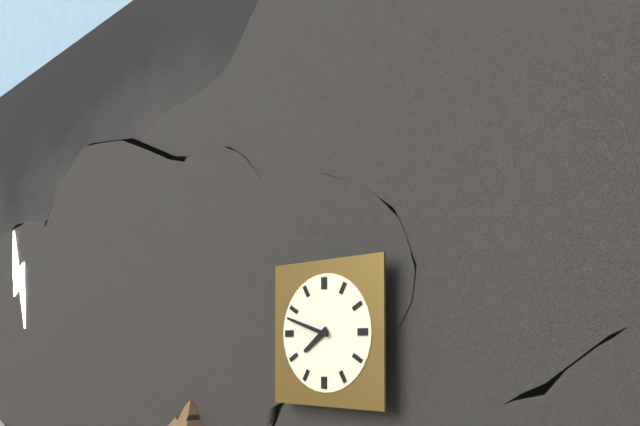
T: 7 h 48 min
